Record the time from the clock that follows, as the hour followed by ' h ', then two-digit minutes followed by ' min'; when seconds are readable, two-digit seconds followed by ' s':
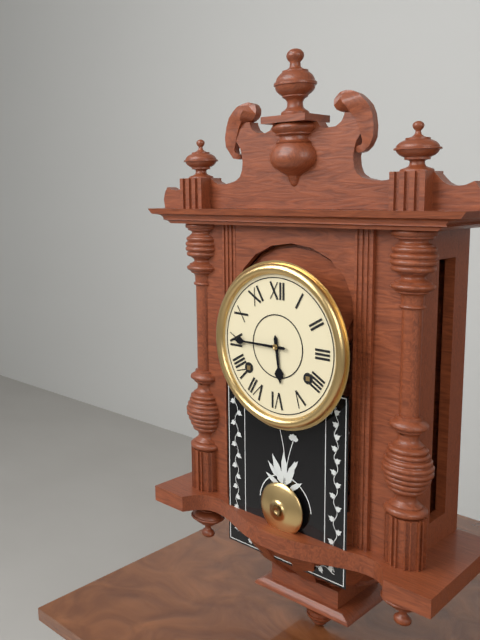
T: 5 h 45 min
